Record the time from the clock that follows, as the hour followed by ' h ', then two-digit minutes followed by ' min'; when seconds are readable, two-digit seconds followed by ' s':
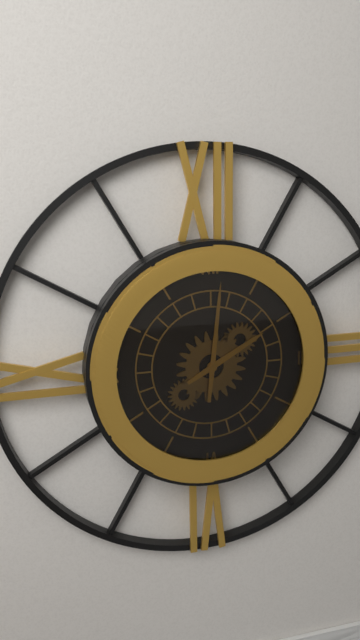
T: 2 h 01 min
